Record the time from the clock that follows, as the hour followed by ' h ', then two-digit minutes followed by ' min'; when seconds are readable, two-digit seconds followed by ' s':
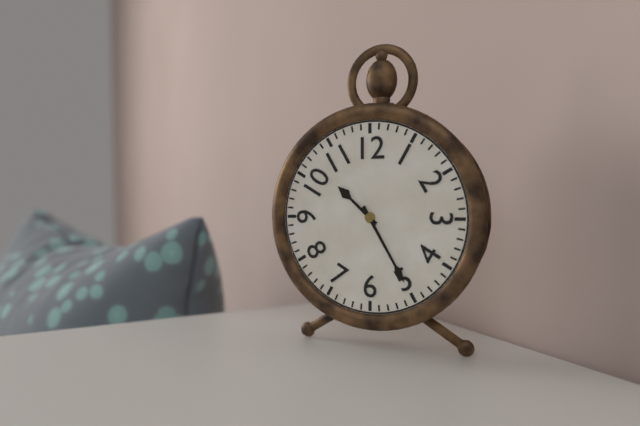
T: 10 h 25 min
